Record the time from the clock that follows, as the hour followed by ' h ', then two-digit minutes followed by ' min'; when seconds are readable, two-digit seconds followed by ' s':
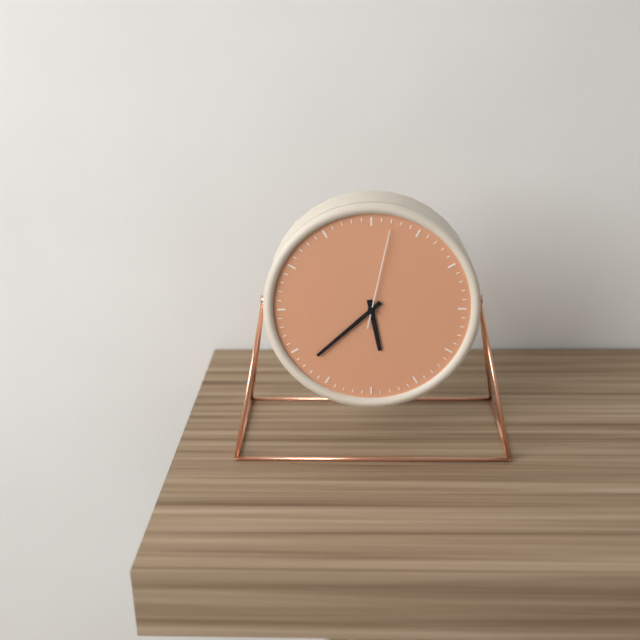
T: 5 h 38 min 02 s
